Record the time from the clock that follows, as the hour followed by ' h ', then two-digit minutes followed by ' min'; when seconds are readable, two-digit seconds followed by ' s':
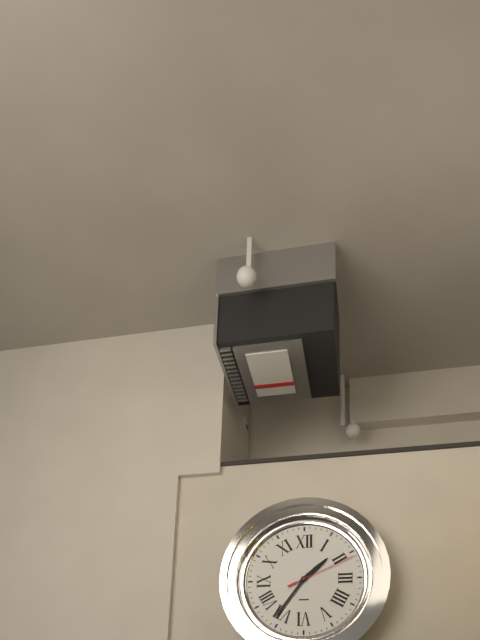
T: 1 h 36 min 11 s
